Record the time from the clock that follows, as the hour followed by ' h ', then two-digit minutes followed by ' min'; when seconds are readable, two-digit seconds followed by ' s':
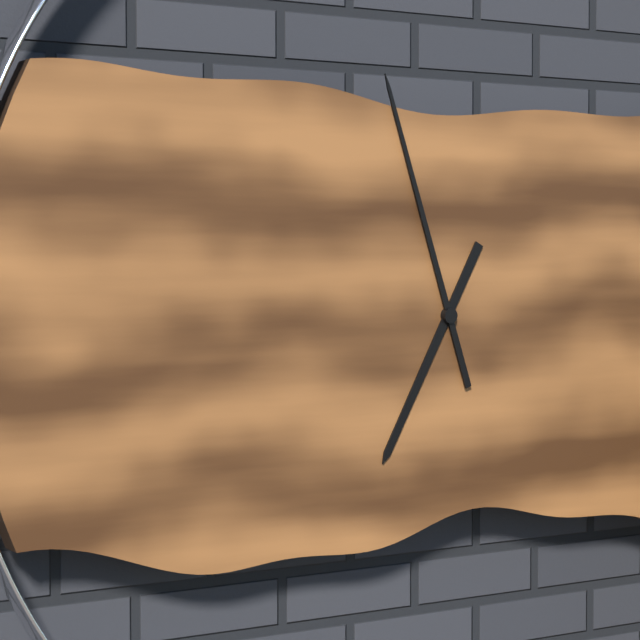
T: 6 h 57 min
